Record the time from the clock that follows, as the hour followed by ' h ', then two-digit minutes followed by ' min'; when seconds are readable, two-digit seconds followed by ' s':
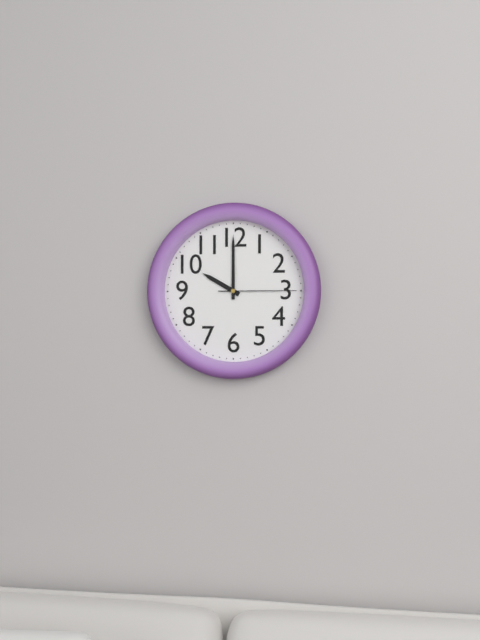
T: 10 h 00 min 15 s
